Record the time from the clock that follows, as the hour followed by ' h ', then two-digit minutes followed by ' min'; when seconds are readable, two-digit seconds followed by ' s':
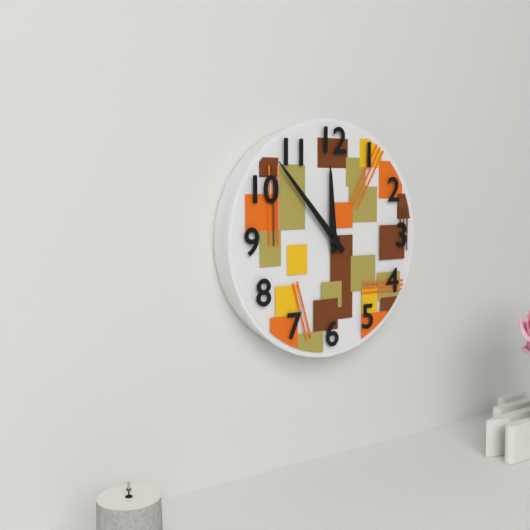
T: 11 h 53 min
